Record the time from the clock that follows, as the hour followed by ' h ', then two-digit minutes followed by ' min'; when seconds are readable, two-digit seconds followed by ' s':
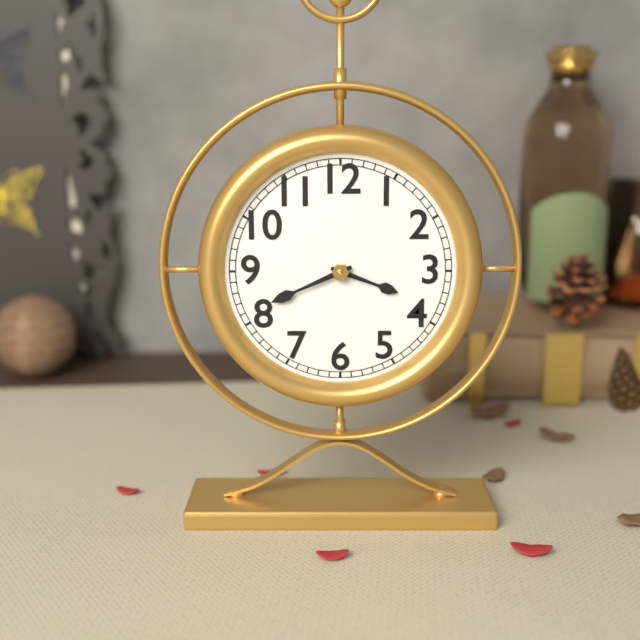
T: 3 h 41 min
